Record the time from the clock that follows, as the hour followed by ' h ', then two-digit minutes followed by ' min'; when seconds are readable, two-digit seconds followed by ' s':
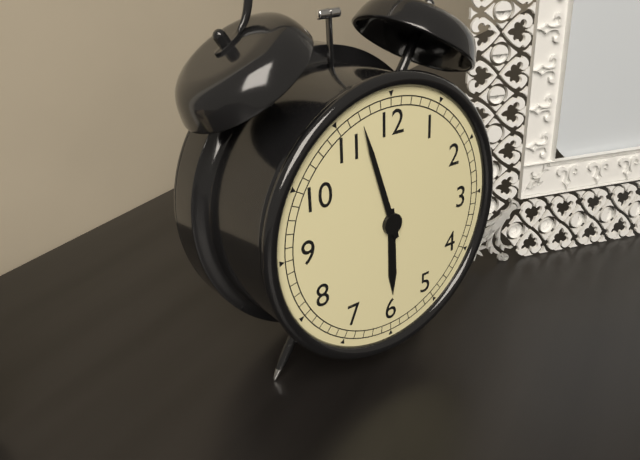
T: 5 h 57 min
